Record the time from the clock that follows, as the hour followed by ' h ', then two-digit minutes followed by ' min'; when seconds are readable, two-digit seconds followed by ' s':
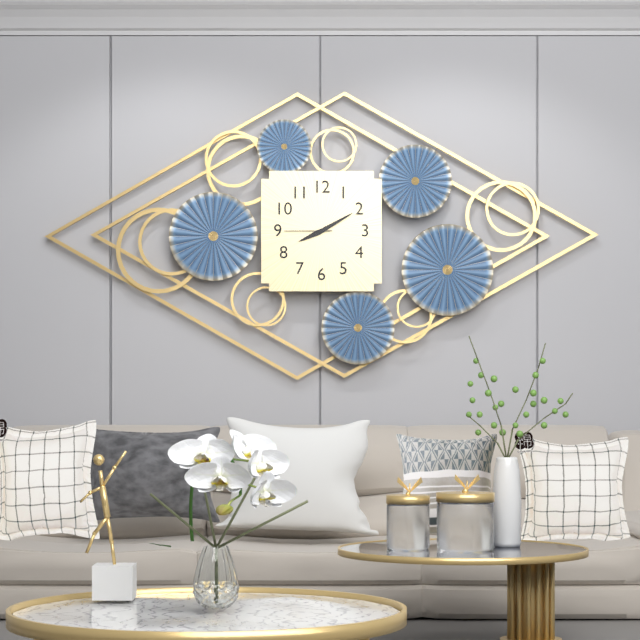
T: 8 h 10 min
